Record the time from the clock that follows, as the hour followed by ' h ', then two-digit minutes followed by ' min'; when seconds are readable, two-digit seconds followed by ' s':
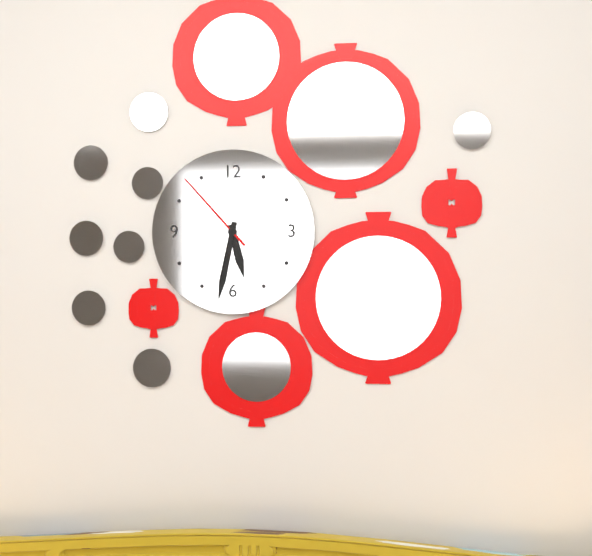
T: 5 h 32 min 53 s
